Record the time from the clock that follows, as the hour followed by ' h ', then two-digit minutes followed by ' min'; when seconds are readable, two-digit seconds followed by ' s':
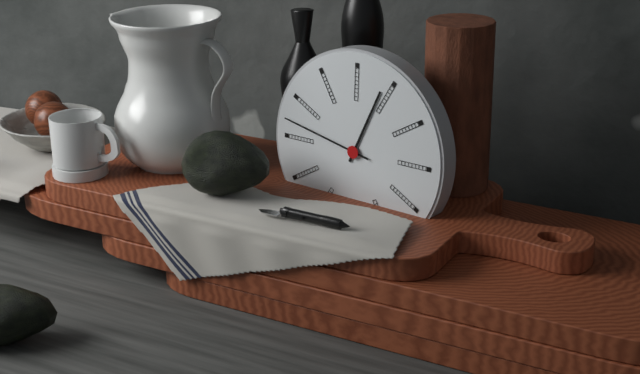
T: 12 h 47 min
